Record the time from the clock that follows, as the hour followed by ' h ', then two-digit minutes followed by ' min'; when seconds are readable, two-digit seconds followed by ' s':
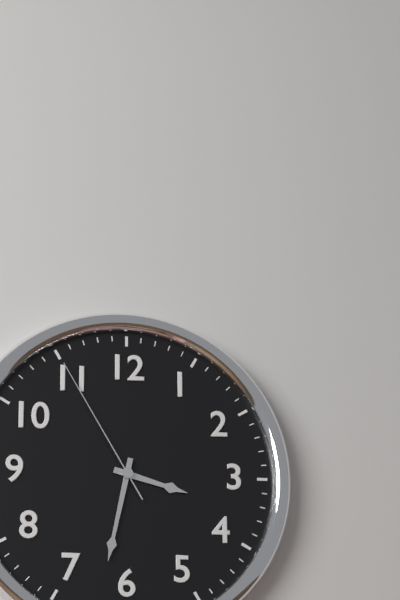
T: 3 h 32 min 55 s
